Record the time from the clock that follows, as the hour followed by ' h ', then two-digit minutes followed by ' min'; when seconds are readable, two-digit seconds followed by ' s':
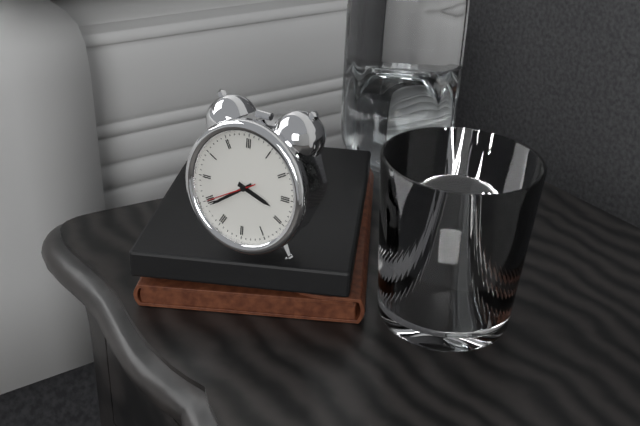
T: 3 h 39 min 40 s
